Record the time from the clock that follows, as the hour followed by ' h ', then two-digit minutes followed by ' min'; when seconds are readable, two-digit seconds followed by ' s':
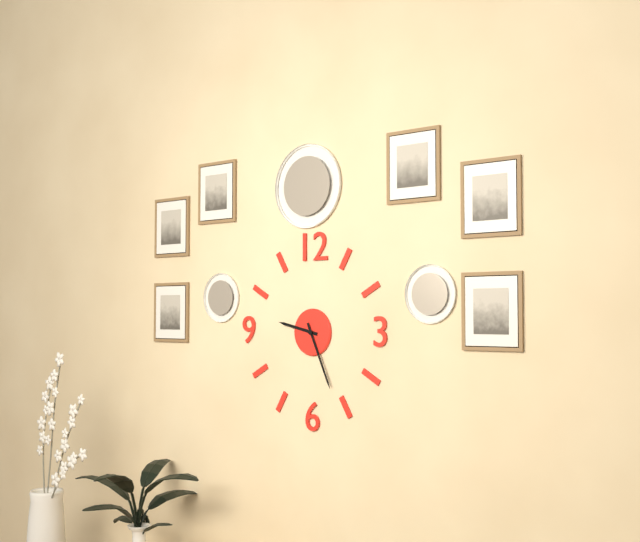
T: 9 h 26 min
